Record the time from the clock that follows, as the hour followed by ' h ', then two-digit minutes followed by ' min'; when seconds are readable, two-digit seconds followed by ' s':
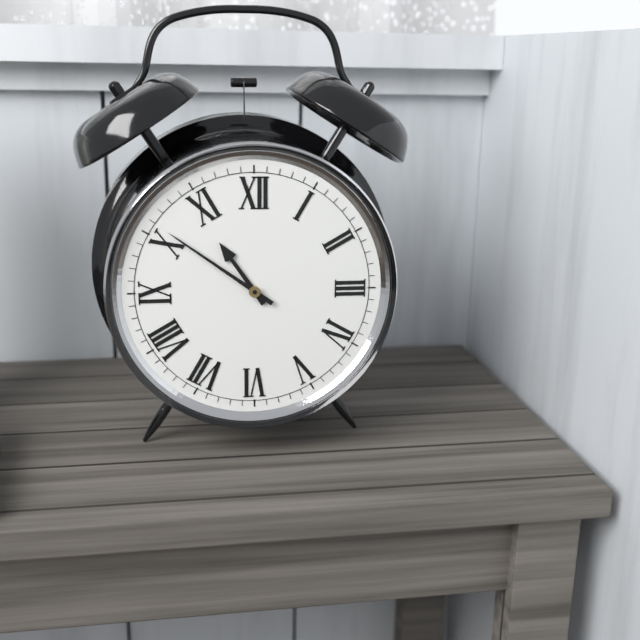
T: 10 h 51 min
